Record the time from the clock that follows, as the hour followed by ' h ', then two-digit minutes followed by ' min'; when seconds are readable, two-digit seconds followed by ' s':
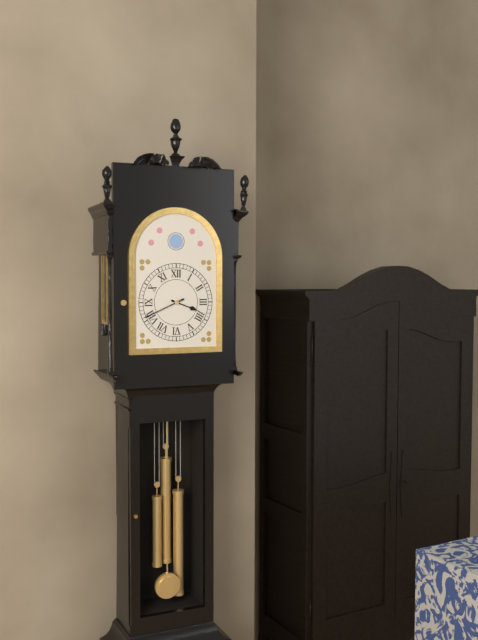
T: 3 h 41 min
